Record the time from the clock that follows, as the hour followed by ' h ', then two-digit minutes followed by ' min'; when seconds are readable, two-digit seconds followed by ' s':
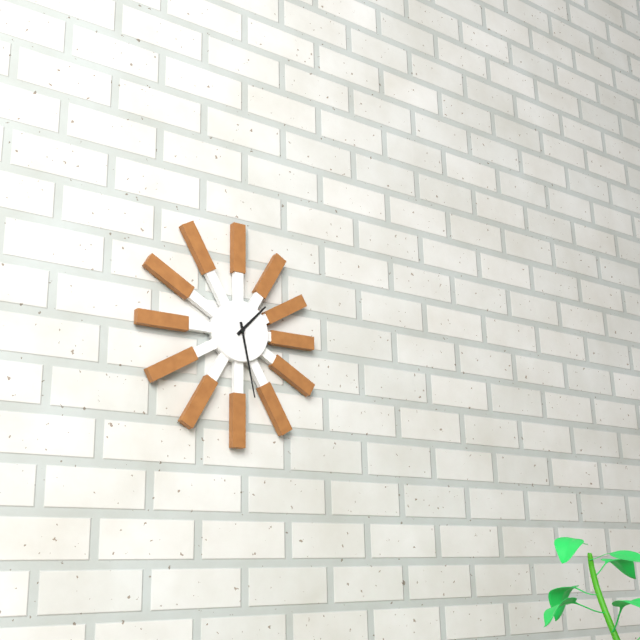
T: 1 h 28 min
